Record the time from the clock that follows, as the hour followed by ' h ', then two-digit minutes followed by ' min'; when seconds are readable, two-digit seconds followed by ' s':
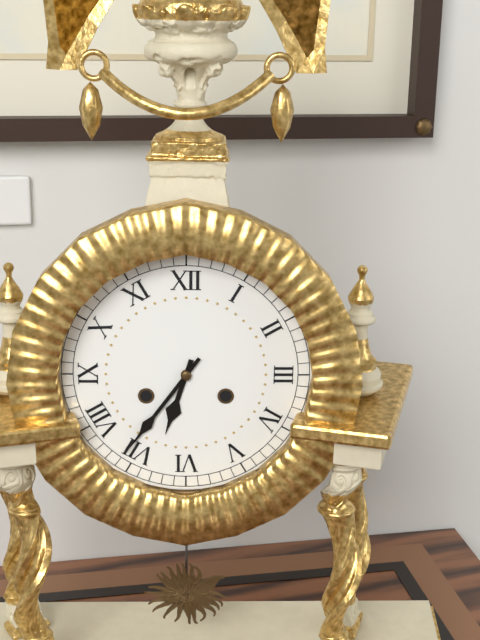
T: 6 h 36 min
